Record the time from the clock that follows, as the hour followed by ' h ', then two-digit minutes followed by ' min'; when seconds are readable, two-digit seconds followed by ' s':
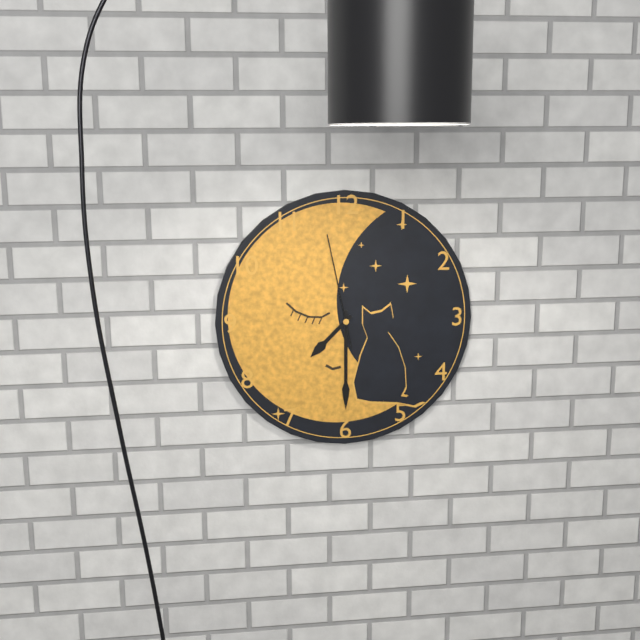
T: 7 h 30 min 58 s
